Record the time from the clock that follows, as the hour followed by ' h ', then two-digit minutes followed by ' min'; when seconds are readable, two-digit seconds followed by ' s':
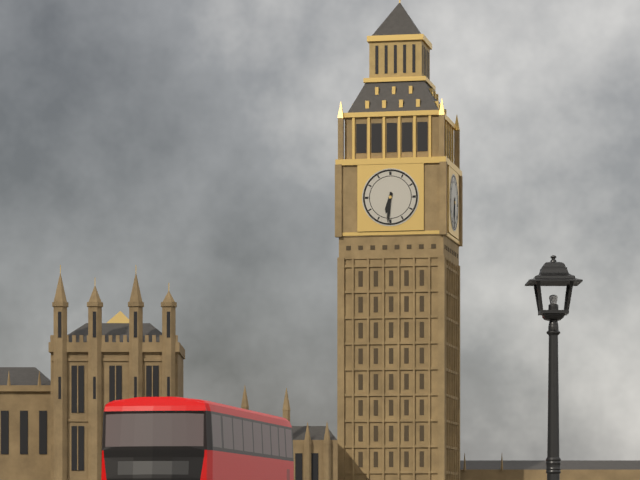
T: 6 h 31 min
